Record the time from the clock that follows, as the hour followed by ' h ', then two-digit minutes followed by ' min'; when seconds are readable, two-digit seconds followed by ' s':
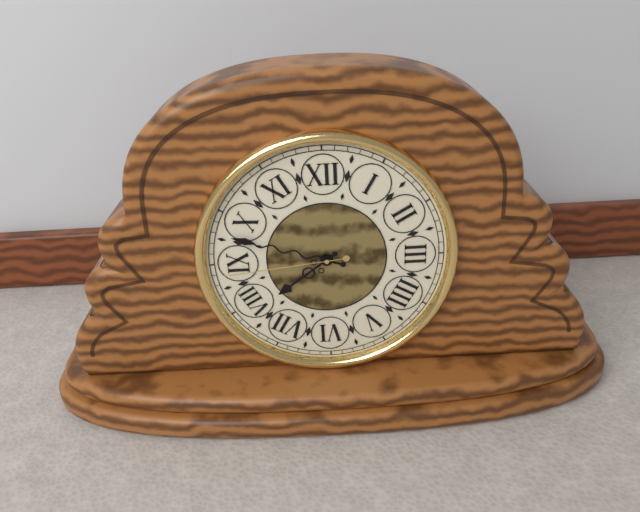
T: 7 h 48 min 44 s
